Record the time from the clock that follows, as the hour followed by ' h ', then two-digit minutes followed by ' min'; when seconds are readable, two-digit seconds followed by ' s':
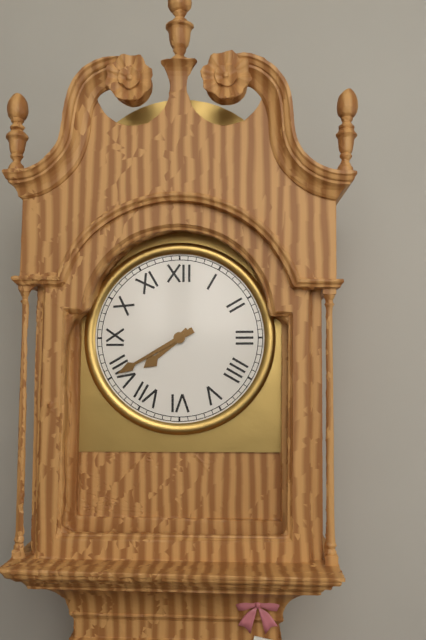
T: 7 h 40 min
